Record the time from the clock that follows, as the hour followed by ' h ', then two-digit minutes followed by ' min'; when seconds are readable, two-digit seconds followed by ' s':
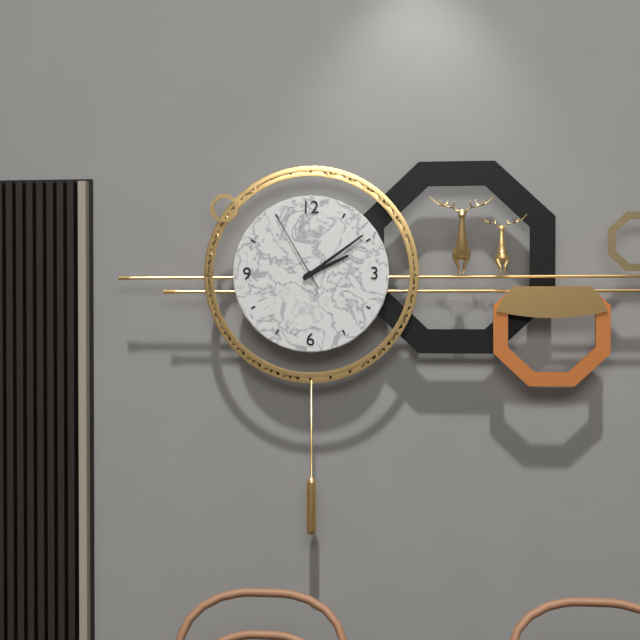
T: 2 h 09 min 55 s
